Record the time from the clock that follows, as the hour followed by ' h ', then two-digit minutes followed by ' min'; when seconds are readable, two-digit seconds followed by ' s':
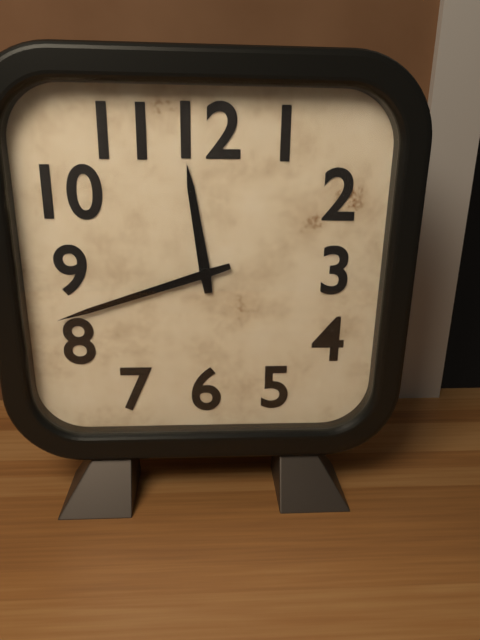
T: 11 h 42 min
